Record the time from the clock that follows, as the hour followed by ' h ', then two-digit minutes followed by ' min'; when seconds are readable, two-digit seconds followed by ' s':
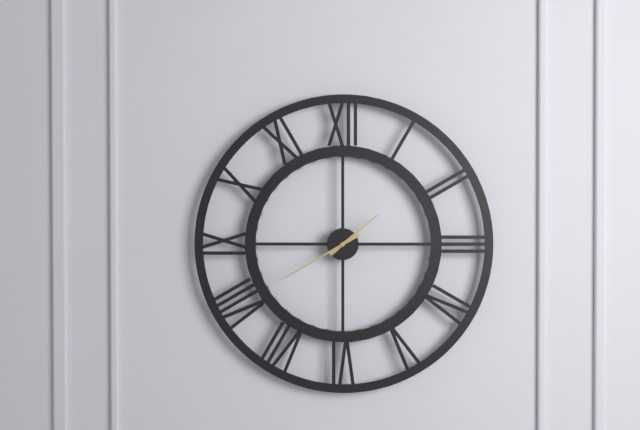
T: 1 h 40 min
